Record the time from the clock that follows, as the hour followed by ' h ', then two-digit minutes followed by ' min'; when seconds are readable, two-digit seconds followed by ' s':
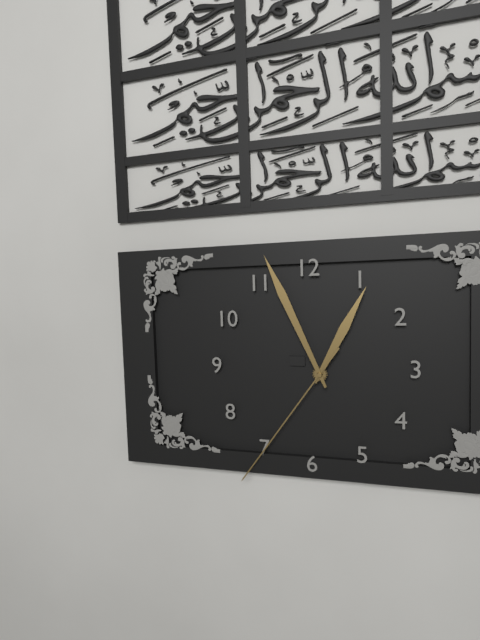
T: 12 h 56 min 36 s
